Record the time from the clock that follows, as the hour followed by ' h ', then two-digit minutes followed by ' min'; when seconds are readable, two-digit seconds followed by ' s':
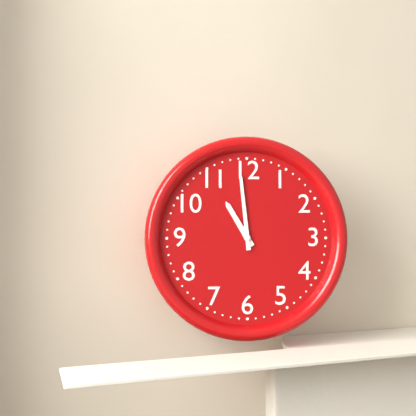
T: 10 h 59 min
